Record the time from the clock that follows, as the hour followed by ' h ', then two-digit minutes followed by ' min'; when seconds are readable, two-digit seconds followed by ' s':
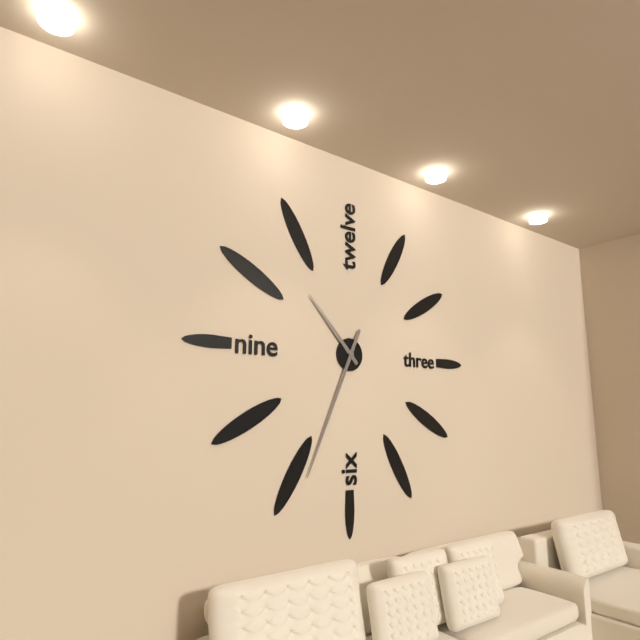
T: 10 h 34 min
